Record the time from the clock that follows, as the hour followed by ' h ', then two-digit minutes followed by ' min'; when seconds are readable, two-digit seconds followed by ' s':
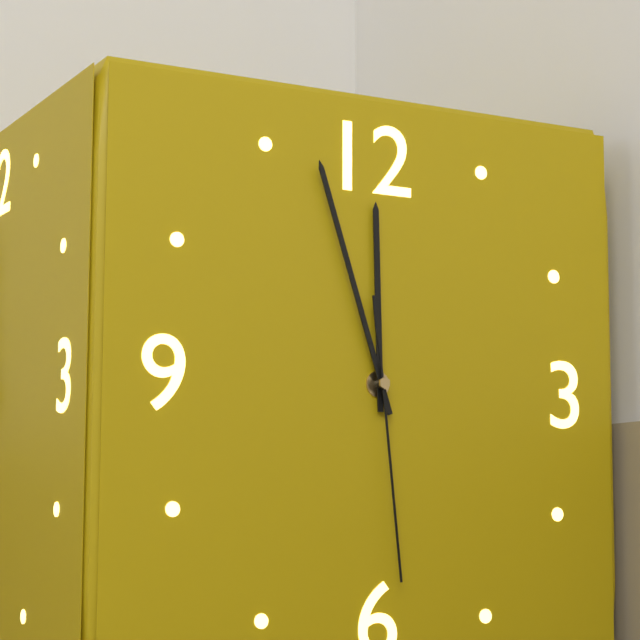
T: 11 h 57 min 29 s
